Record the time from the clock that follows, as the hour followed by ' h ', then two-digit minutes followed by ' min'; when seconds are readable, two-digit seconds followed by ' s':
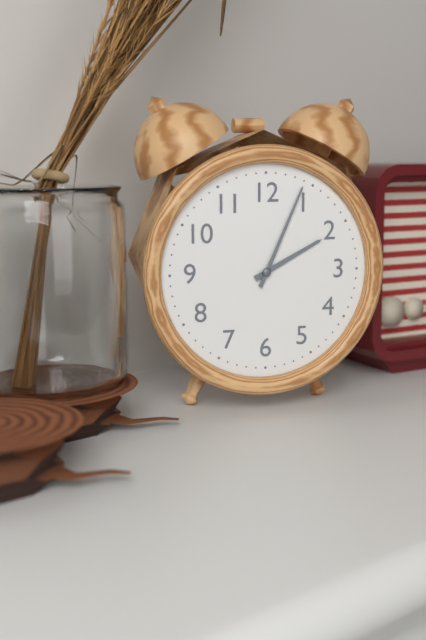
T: 2 h 04 min
